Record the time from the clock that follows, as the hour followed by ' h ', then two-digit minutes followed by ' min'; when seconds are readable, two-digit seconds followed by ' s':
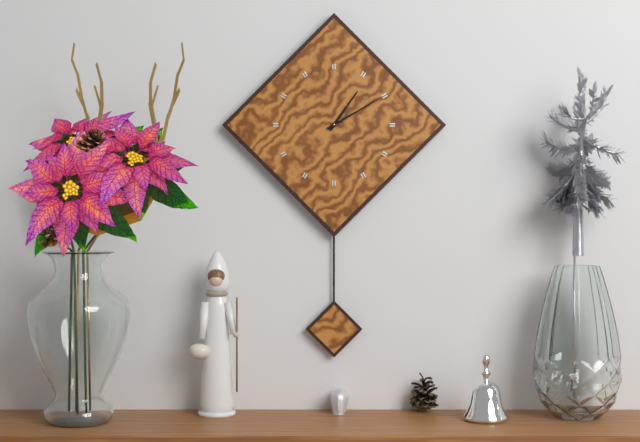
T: 1 h 10 min
